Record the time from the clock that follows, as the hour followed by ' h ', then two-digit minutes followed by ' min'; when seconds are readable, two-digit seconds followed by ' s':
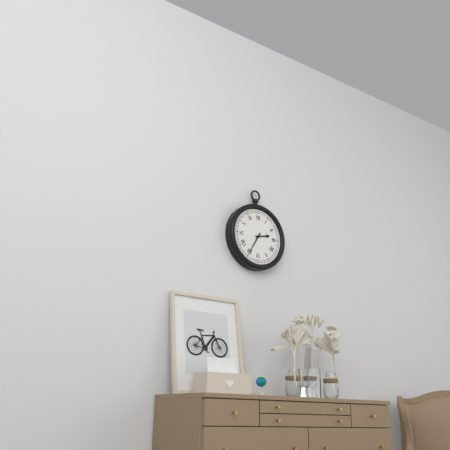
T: 2 h 35 min
